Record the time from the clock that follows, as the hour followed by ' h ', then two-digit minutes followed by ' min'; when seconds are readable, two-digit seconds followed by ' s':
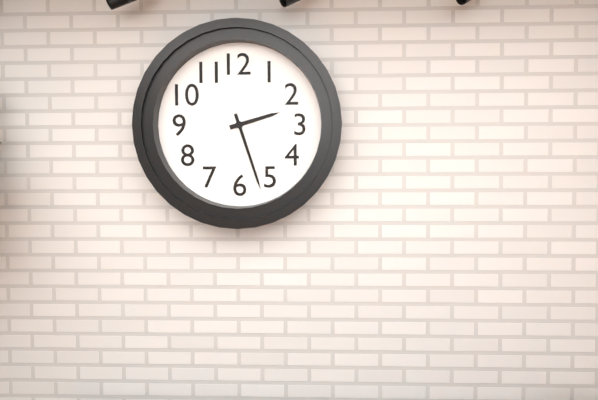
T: 2 h 27 min
